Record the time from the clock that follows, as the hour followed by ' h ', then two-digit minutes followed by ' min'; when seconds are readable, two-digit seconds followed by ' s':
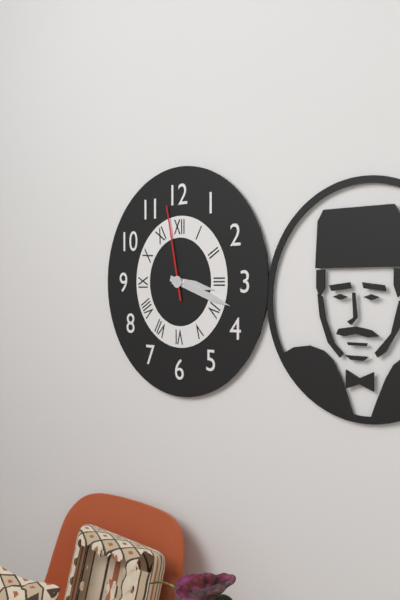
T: 3 h 18 min 58 s
